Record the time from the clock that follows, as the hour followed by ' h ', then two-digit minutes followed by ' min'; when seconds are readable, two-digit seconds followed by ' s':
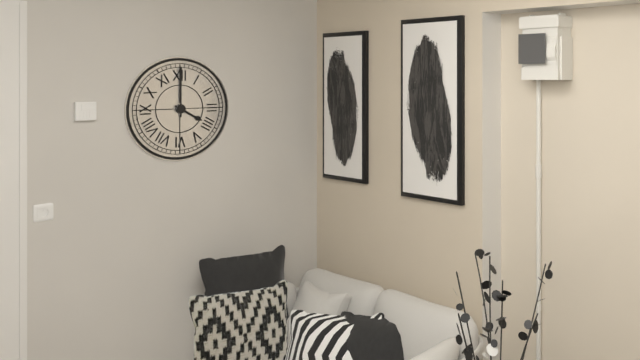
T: 4 h 00 min
